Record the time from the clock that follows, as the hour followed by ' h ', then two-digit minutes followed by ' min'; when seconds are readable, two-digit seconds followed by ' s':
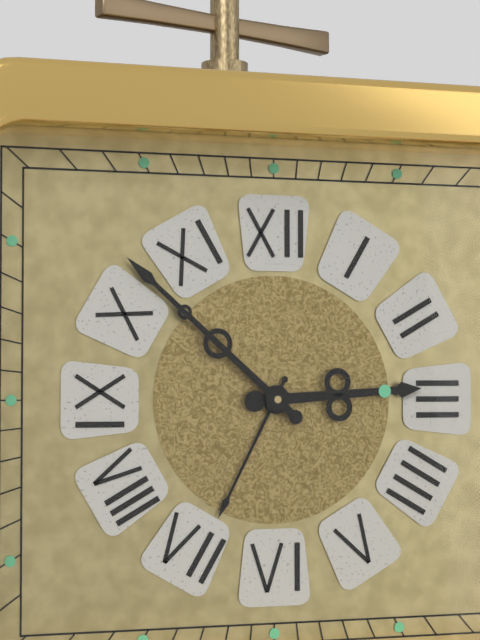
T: 2 h 52 min
